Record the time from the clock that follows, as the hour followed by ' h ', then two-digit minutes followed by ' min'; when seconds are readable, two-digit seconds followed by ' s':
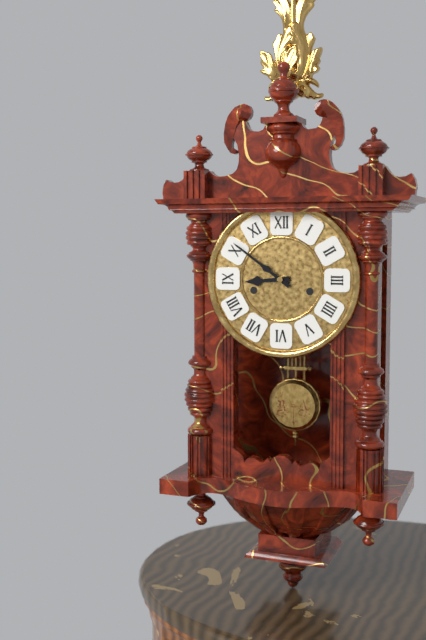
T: 8 h 51 min
